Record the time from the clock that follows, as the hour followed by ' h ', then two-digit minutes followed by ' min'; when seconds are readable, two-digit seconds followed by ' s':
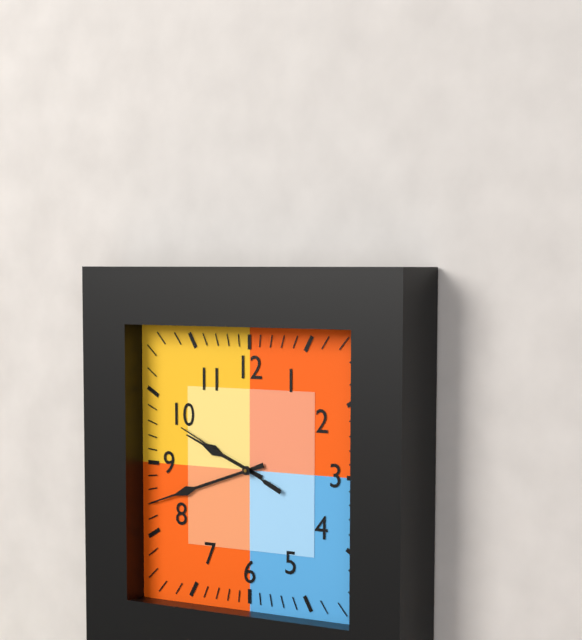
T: 9 h 42 min 49 s
